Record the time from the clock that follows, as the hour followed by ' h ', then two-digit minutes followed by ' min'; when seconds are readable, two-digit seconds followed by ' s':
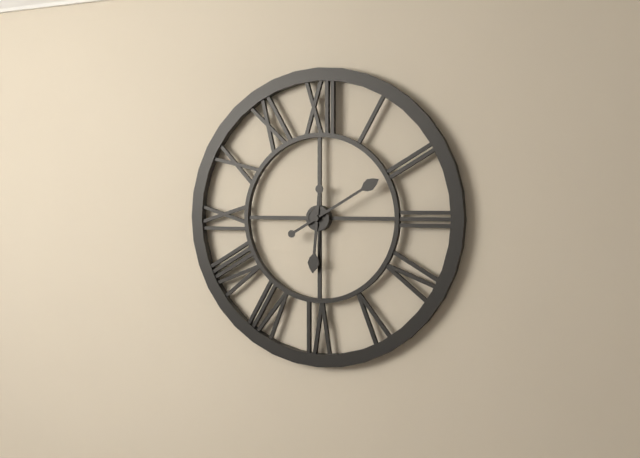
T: 6 h 10 min
